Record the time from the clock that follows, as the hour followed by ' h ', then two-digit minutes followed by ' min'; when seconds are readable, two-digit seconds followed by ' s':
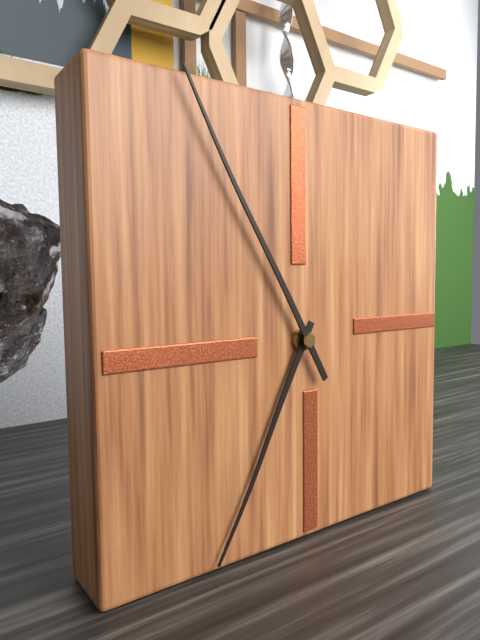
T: 6 h 55 min
